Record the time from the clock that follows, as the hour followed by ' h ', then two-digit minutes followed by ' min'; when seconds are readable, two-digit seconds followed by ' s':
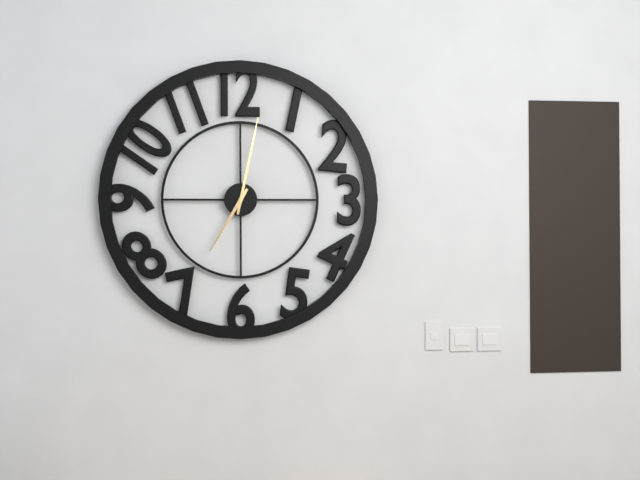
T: 7 h 02 min
